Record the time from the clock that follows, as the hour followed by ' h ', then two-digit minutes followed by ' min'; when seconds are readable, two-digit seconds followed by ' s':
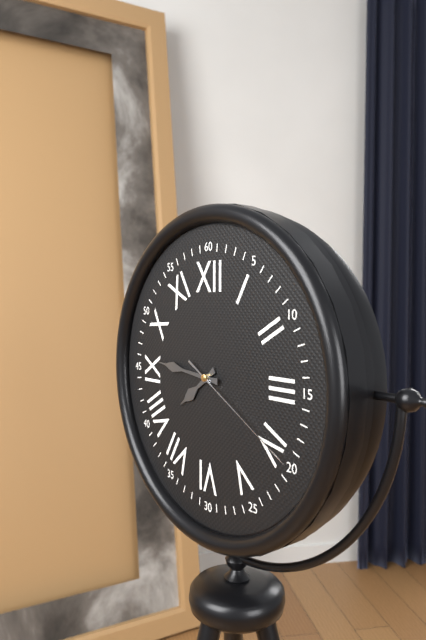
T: 7 h 46 min 20 s
